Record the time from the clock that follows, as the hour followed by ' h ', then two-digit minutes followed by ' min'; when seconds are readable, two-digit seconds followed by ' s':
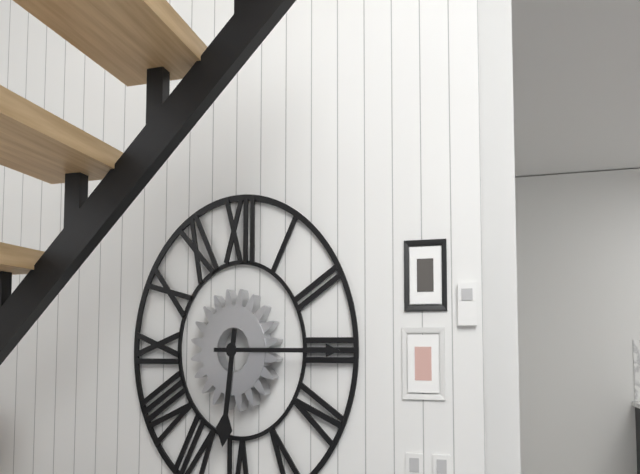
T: 6 h 15 min
